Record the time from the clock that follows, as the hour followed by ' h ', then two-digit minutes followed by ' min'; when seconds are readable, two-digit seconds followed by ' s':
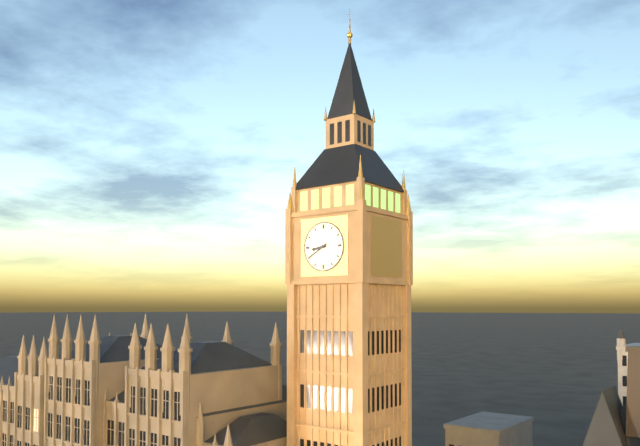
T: 8 h 40 min
